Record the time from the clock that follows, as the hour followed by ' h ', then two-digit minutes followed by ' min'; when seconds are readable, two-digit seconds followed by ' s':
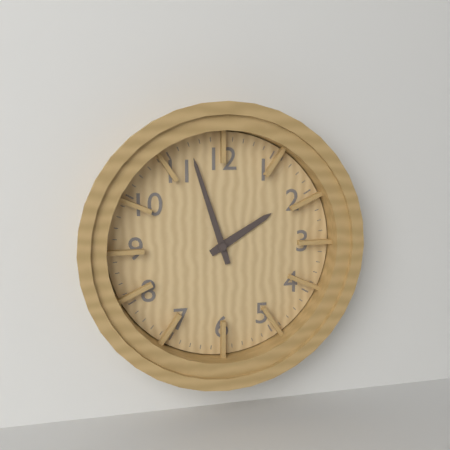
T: 1 h 57 min
